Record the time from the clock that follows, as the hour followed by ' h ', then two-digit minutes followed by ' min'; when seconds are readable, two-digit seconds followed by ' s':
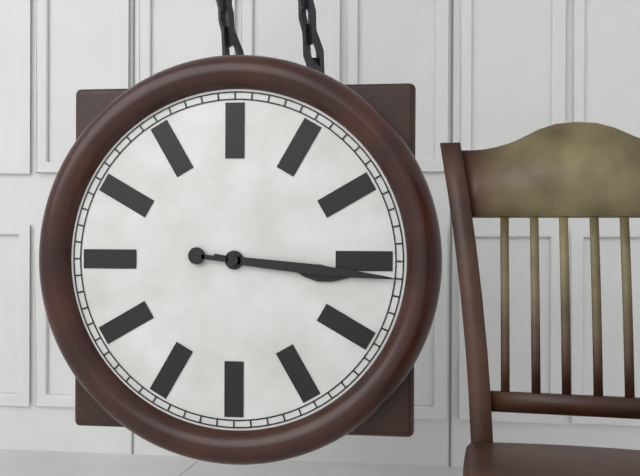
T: 3 h 16 min
